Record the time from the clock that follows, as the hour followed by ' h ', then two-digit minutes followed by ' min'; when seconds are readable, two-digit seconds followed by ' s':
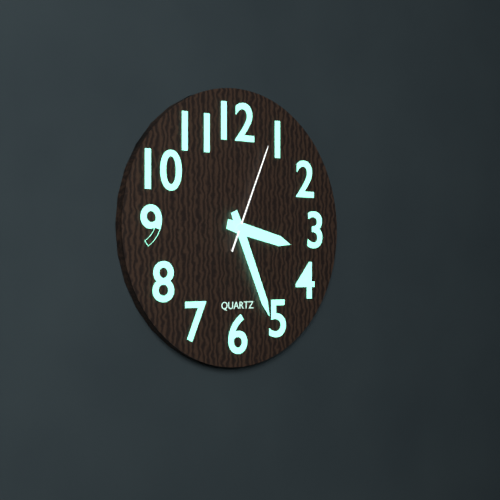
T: 3 h 26 min 04 s
